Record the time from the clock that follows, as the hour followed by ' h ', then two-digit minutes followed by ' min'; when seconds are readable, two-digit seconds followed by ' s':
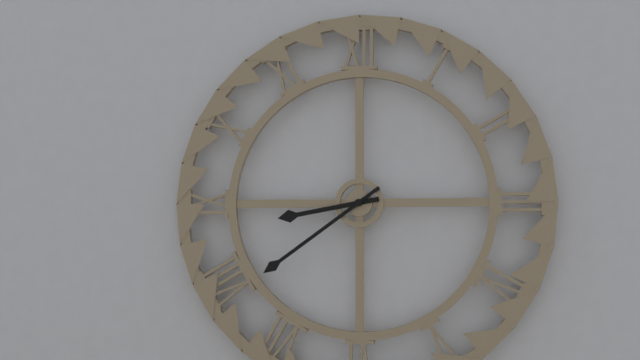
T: 8 h 39 min
